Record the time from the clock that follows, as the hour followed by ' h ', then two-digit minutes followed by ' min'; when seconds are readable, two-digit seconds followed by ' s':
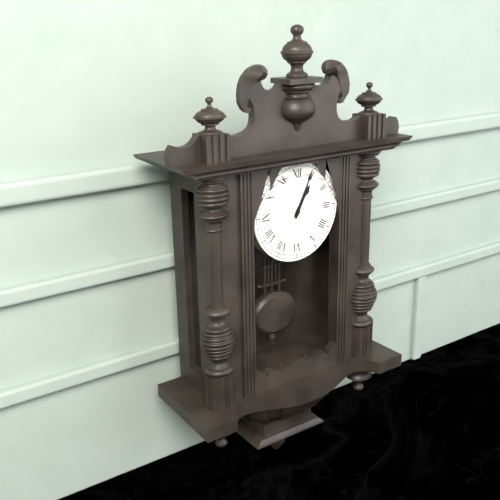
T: 1 h 04 min
